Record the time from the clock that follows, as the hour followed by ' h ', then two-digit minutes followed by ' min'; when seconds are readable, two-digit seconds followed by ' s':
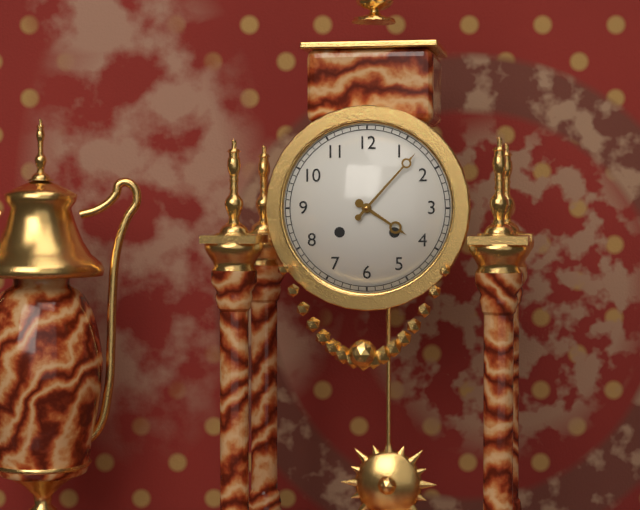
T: 4 h 07 min
